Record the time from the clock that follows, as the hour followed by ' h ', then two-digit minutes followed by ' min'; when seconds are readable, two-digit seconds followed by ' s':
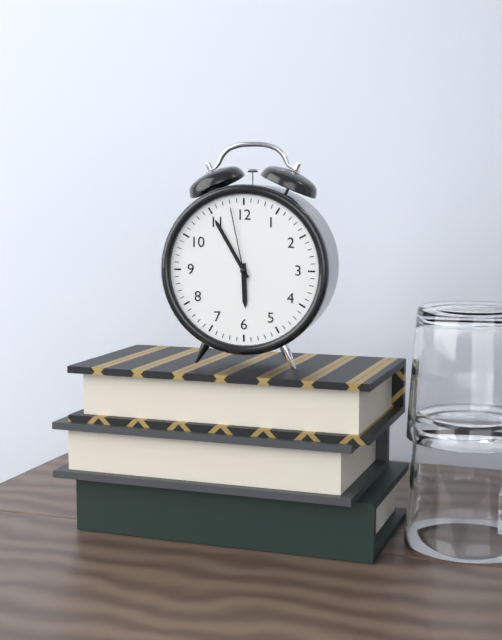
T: 5 h 55 min 58 s
